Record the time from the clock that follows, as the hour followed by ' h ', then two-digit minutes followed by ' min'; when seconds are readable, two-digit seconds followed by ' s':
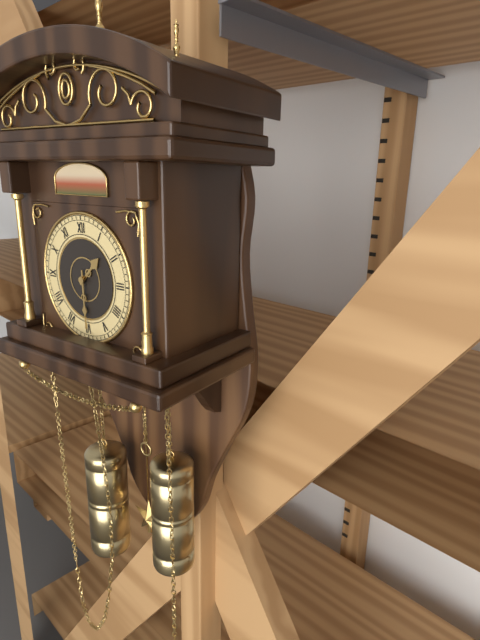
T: 1 h 30 min
